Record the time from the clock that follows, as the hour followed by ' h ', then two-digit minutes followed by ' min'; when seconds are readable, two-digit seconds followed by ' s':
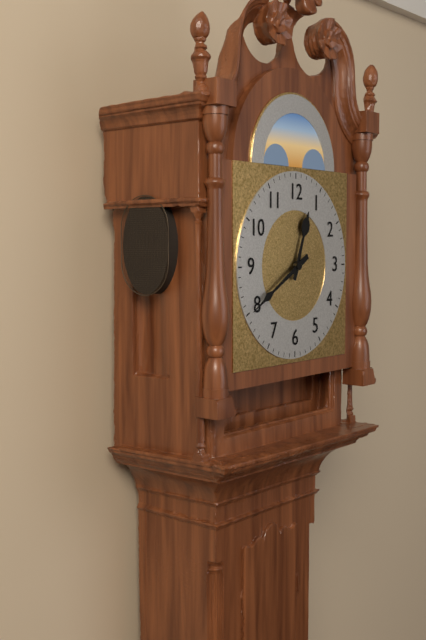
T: 12 h 40 min
